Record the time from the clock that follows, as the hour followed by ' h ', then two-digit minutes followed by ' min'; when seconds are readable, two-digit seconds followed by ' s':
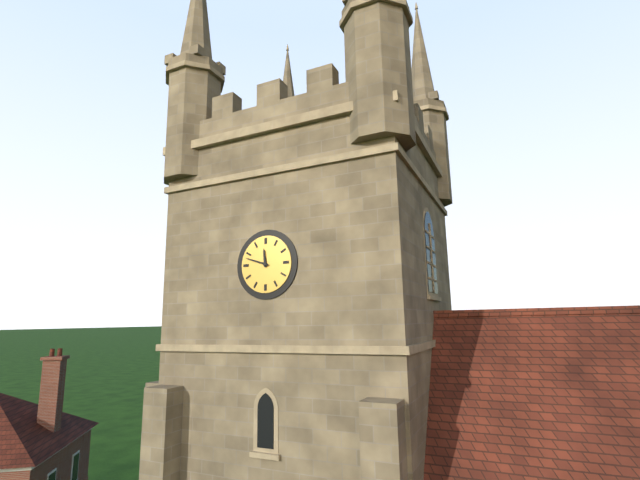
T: 11 h 48 min
